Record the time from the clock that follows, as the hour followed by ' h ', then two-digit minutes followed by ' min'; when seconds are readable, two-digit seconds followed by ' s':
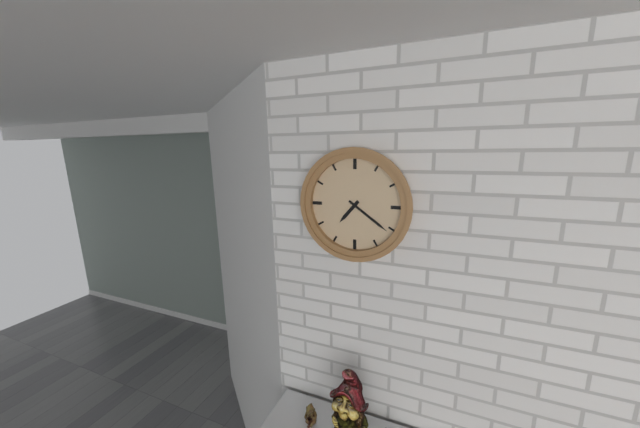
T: 7 h 21 min
